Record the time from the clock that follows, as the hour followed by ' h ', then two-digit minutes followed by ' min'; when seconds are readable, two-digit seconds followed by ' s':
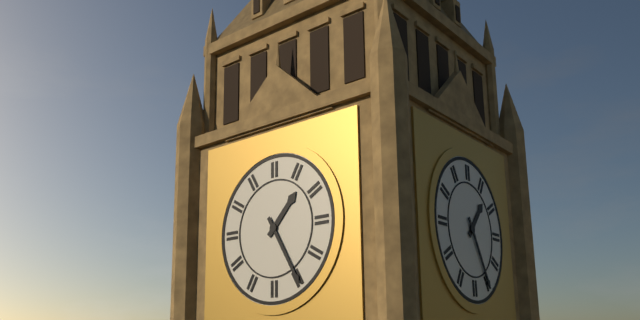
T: 1 h 25 min
